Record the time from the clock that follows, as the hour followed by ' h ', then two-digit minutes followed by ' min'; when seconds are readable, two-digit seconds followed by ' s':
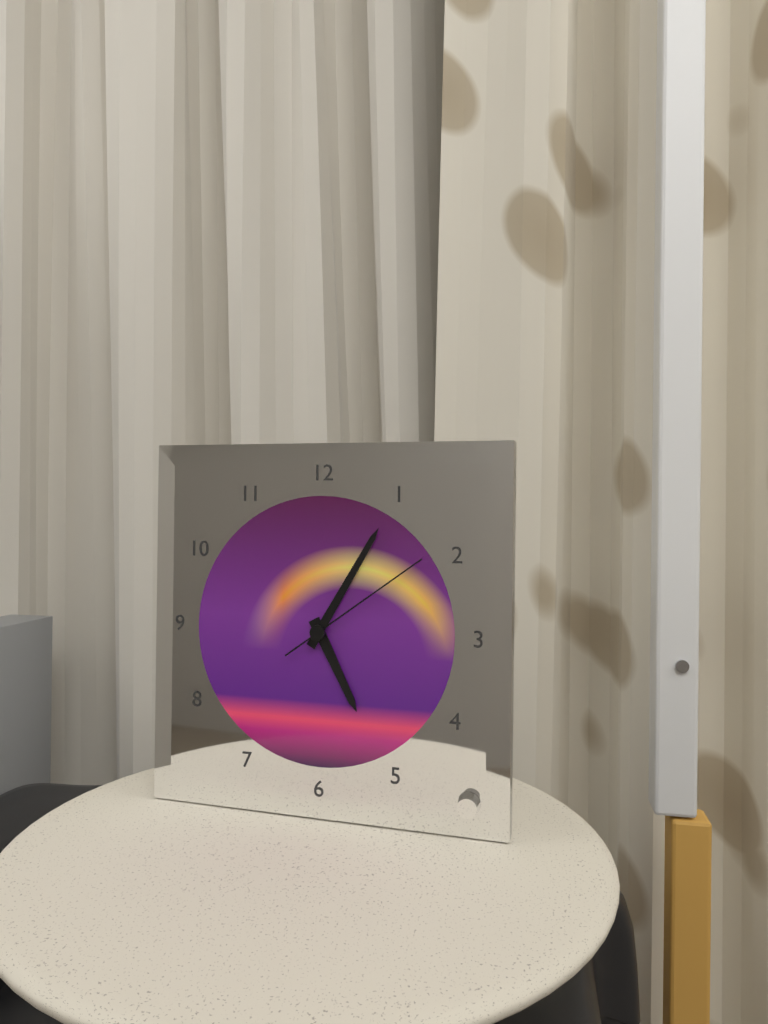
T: 5 h 05 min 09 s
